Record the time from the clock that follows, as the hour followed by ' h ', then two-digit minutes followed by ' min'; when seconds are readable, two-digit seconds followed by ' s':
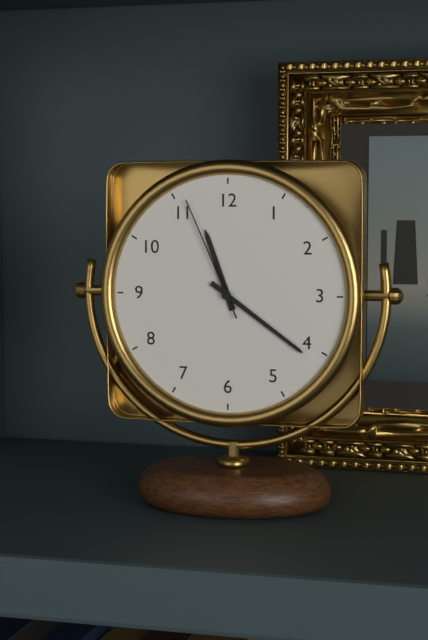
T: 11 h 21 min 56 s
